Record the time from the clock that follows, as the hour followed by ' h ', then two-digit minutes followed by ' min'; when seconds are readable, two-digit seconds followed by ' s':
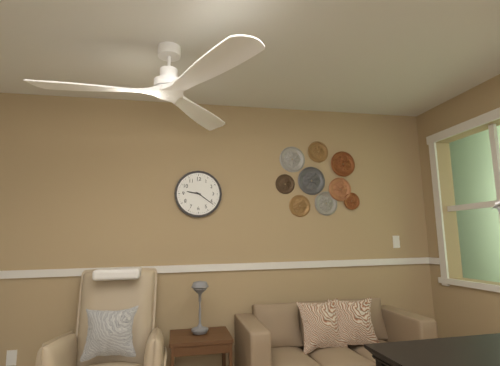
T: 9 h 21 min
